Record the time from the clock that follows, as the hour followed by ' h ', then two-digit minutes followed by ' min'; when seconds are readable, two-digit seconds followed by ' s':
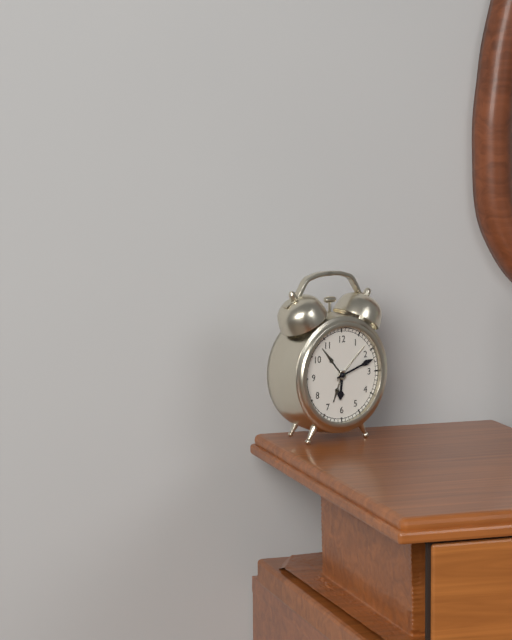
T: 6 h 12 min
